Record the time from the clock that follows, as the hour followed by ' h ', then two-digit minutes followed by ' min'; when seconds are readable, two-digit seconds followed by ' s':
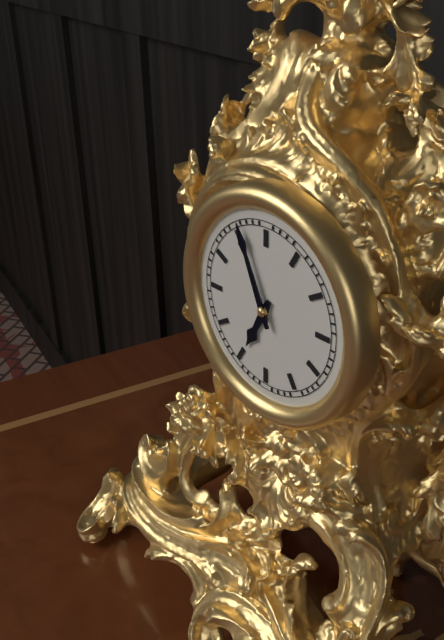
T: 6 h 56 min
